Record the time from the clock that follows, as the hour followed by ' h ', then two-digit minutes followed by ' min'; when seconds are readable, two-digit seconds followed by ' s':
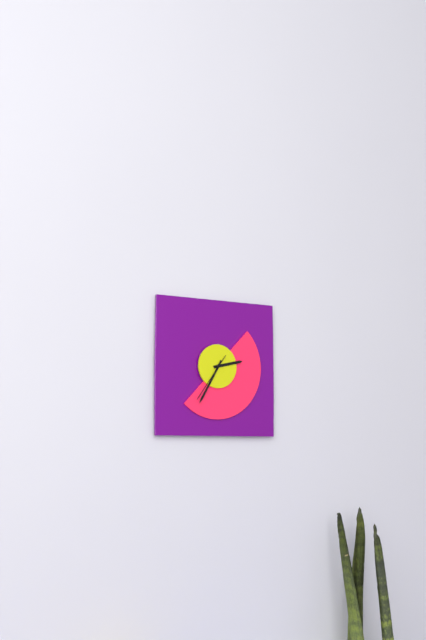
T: 2 h 35 min
